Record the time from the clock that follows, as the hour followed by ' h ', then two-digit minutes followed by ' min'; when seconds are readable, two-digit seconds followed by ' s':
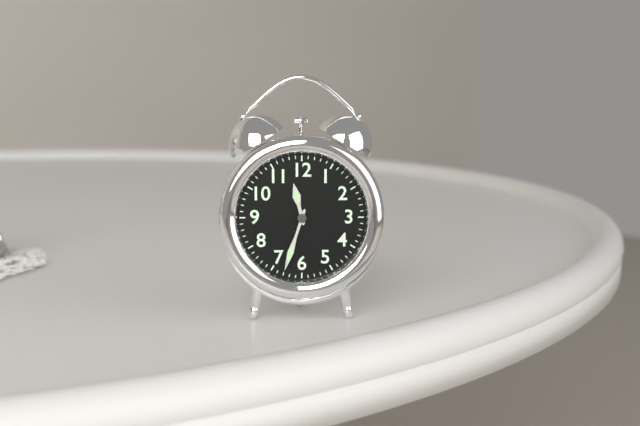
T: 11 h 33 min
